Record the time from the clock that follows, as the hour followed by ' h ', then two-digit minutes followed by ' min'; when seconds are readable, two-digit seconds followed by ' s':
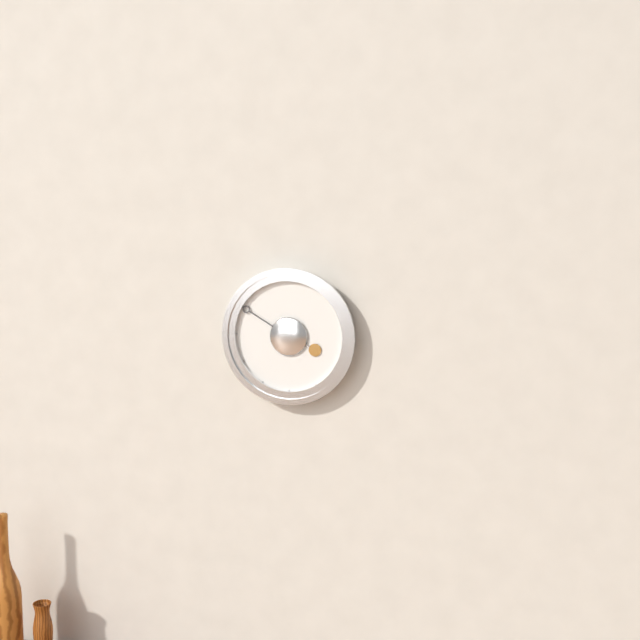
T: 3 h 50 min
